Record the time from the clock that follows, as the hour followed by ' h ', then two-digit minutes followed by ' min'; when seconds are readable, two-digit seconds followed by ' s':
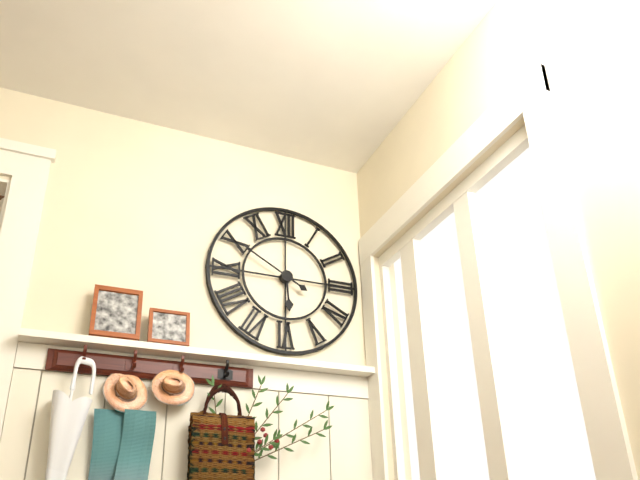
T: 5 h 50 min
